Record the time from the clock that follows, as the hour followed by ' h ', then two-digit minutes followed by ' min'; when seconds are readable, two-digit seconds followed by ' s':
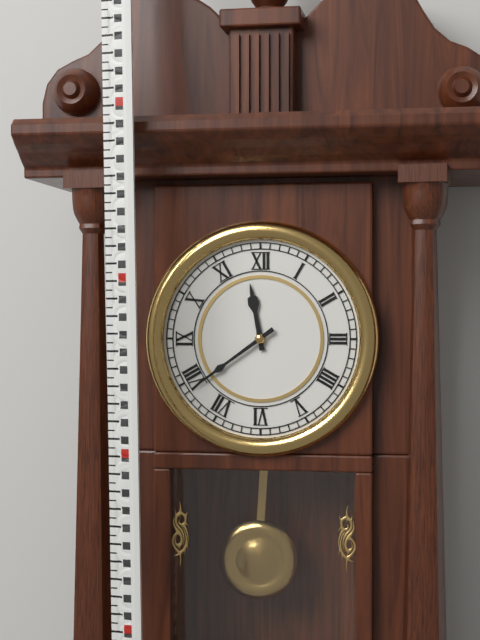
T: 11 h 39 min
